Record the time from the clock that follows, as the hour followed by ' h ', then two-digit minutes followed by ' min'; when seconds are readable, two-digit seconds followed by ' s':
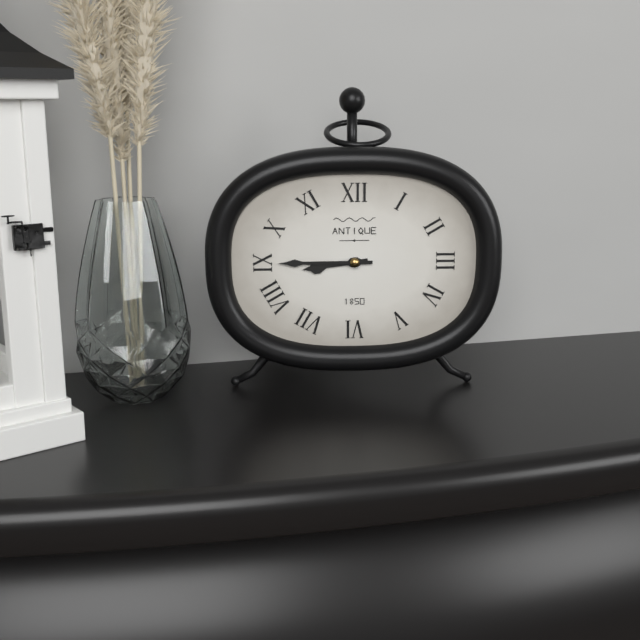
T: 8 h 45 min
